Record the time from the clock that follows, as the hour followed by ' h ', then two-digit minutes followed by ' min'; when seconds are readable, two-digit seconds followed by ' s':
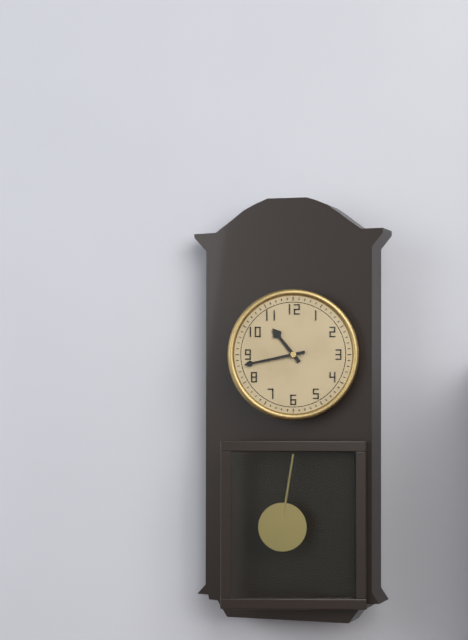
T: 10 h 43 min
